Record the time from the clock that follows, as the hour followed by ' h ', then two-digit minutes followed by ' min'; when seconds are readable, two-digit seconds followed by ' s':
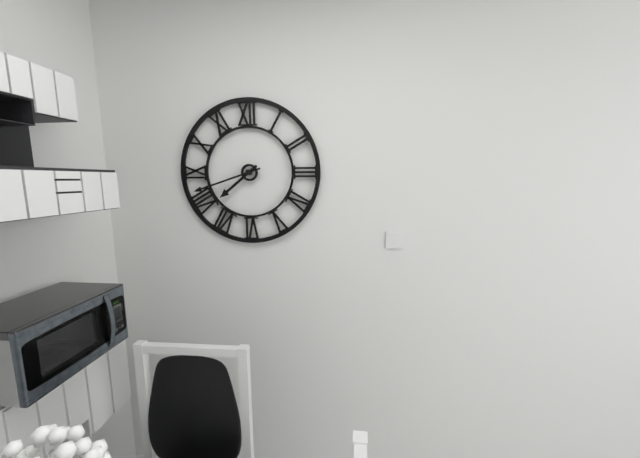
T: 7 h 42 min
